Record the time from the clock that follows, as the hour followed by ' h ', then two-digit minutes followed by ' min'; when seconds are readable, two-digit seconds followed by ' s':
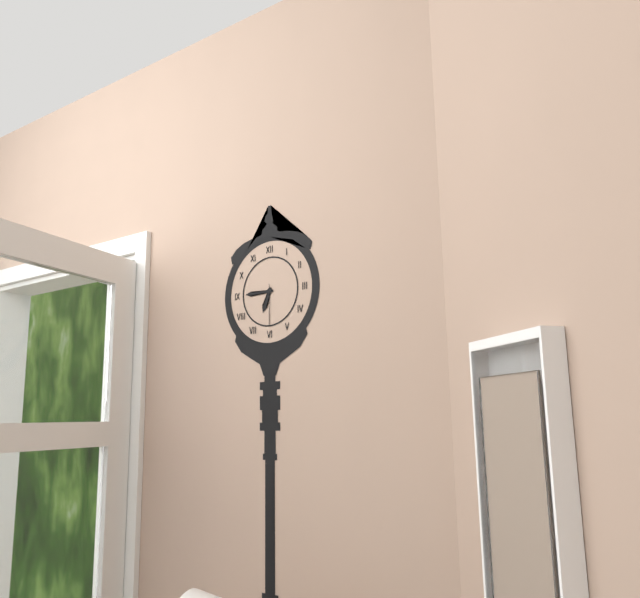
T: 6 h 45 min
